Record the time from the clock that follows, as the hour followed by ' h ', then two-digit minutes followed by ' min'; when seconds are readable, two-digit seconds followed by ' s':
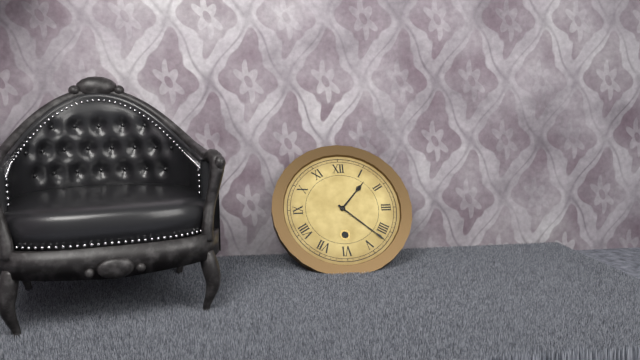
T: 1 h 22 min
